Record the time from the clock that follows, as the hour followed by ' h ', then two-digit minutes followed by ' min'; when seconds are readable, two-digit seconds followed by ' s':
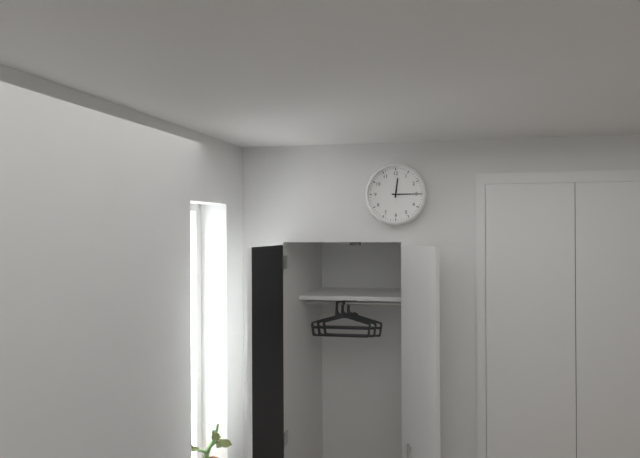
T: 12 h 15 min
